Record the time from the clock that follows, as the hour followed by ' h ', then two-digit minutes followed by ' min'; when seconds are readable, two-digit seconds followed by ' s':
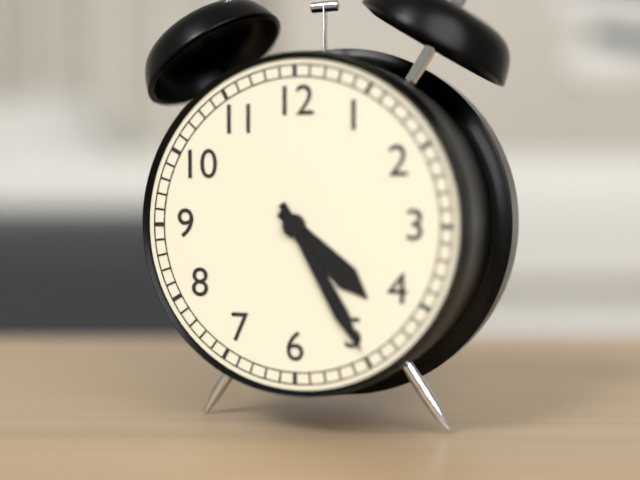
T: 4 h 25 min
